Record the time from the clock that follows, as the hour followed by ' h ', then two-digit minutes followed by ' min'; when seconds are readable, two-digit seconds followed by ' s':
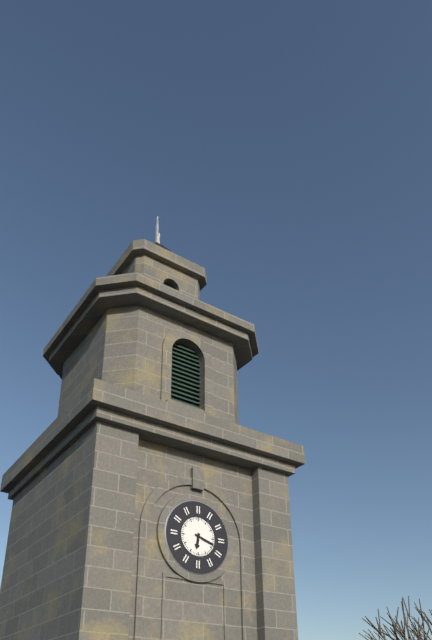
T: 6 h 18 min
